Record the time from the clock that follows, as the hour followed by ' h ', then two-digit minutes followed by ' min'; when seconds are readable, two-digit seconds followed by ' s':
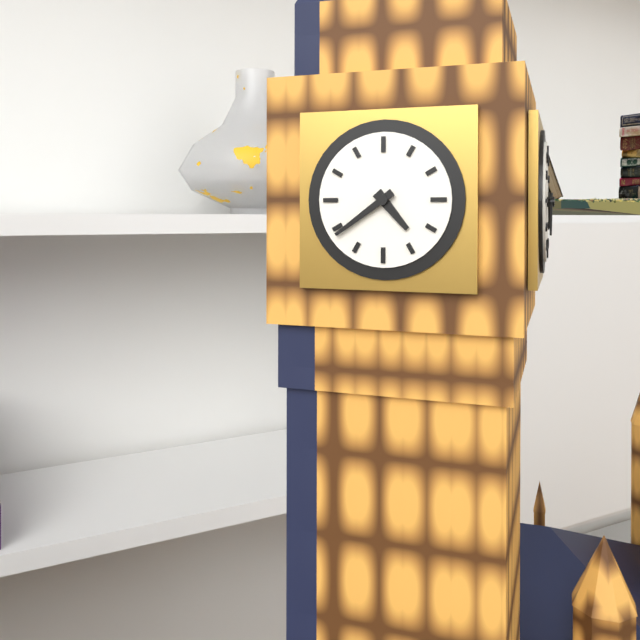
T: 4 h 39 min
